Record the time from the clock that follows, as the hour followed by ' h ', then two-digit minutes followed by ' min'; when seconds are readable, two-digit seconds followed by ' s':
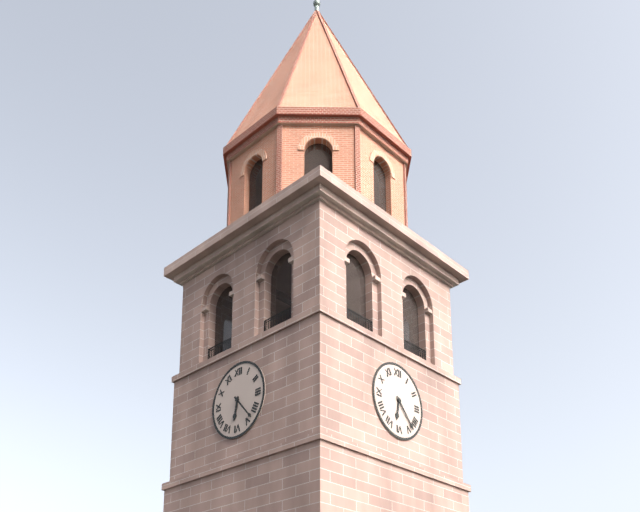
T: 6 h 23 min
